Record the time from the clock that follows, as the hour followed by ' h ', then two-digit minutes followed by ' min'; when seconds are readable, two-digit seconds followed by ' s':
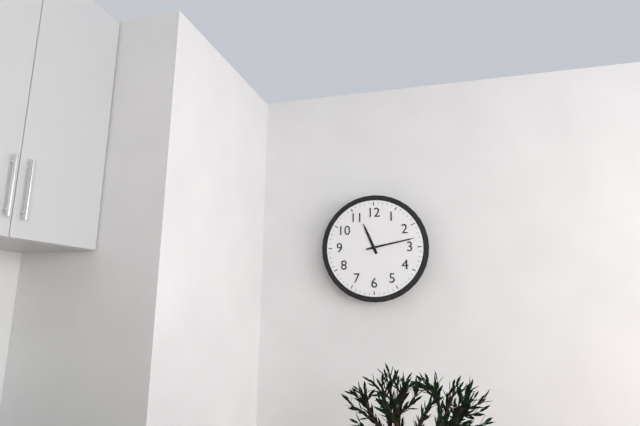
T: 11 h 13 min
